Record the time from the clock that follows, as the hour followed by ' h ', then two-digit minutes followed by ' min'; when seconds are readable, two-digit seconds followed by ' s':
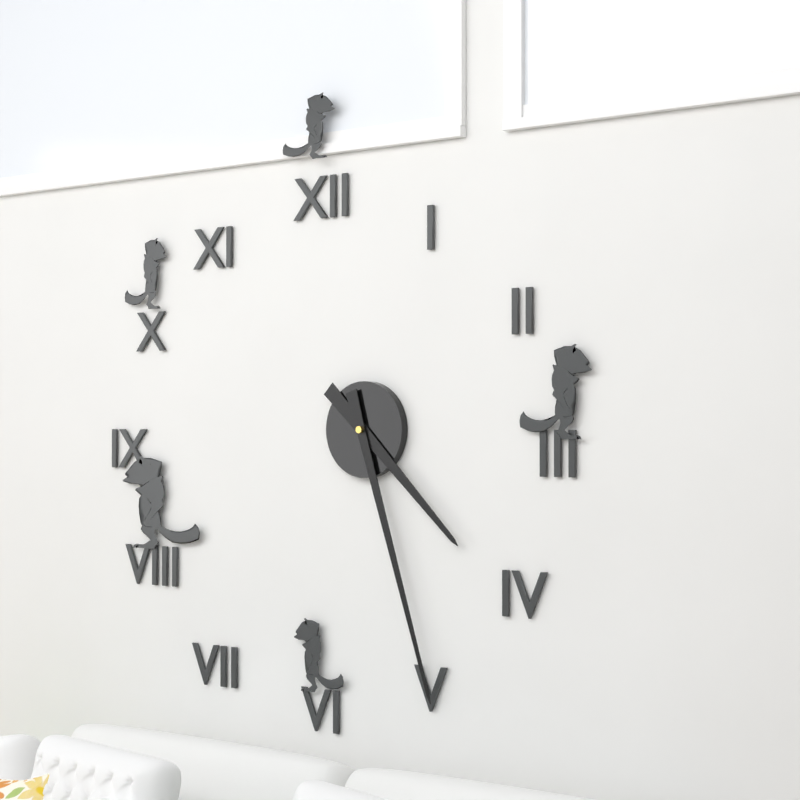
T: 4 h 27 min
